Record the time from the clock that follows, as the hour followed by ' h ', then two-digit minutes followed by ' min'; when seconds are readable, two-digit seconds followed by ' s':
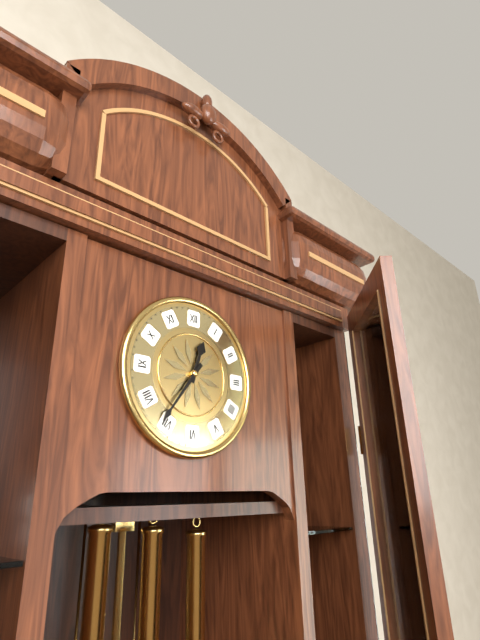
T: 12 h 36 min
